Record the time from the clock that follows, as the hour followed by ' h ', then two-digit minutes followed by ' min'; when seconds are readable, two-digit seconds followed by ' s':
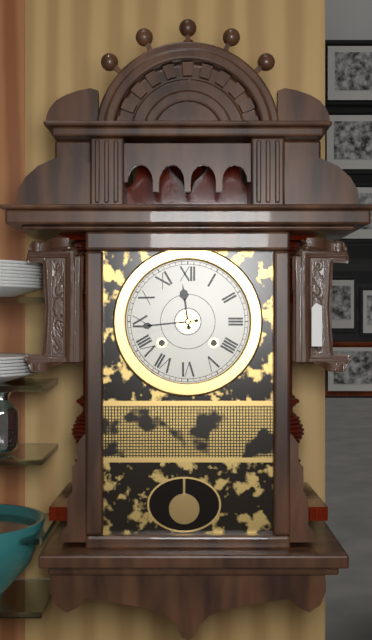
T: 11 h 44 min
